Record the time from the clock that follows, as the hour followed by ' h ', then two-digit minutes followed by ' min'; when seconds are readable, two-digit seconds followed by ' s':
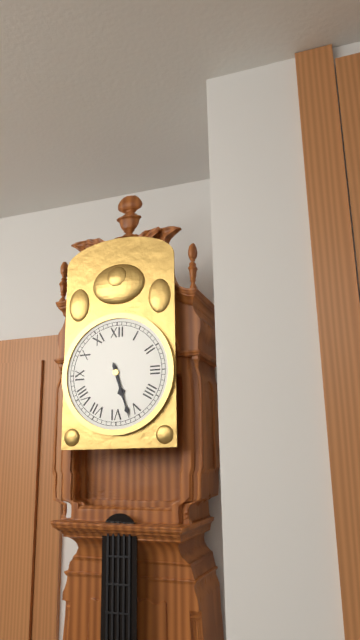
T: 5 h 27 min
